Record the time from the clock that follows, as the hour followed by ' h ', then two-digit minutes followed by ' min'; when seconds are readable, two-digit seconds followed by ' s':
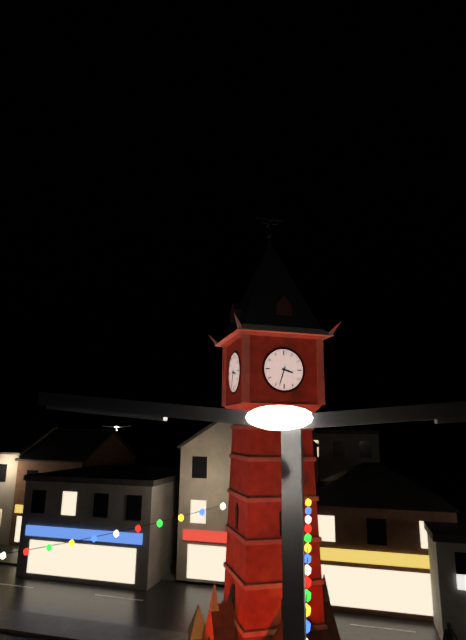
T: 3 h 33 min
